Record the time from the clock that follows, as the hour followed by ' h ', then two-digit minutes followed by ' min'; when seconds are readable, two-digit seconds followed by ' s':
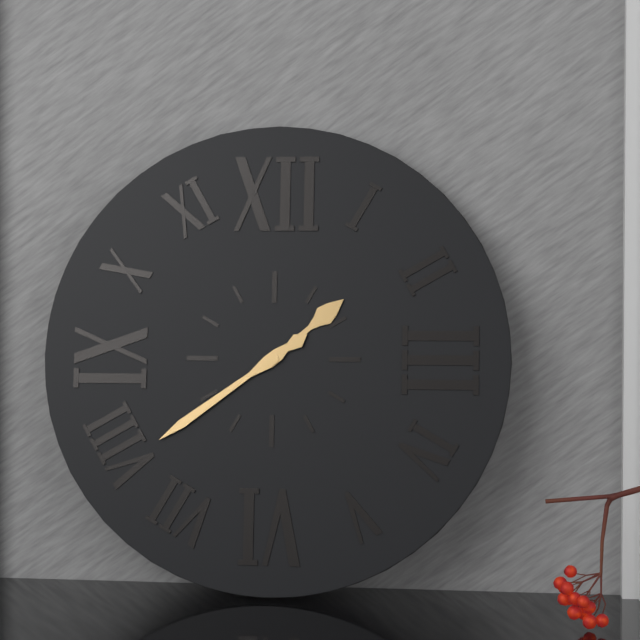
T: 1 h 39 min
